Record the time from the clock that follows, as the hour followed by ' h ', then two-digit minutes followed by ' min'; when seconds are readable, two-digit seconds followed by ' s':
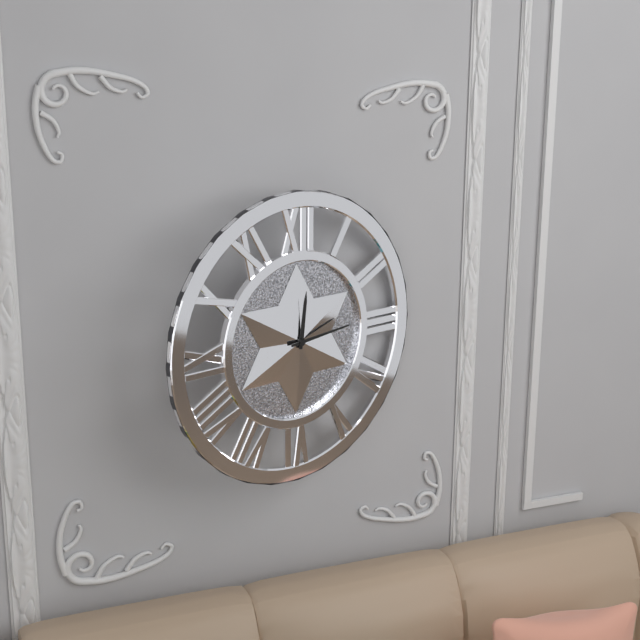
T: 12 h 14 min
